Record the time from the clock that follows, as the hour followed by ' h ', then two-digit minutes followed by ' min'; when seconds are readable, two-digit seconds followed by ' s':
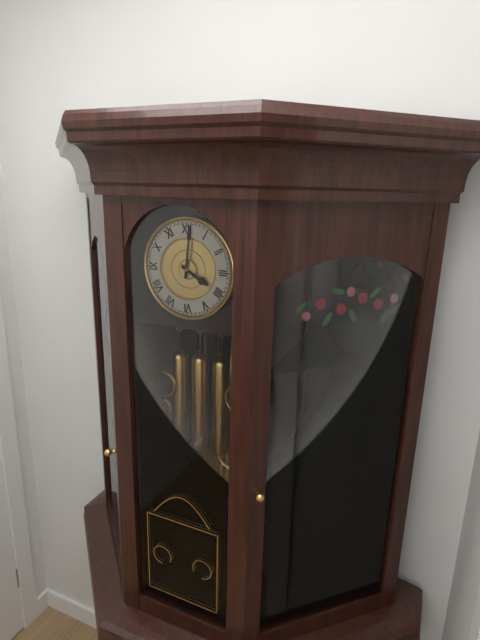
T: 4 h 01 min
